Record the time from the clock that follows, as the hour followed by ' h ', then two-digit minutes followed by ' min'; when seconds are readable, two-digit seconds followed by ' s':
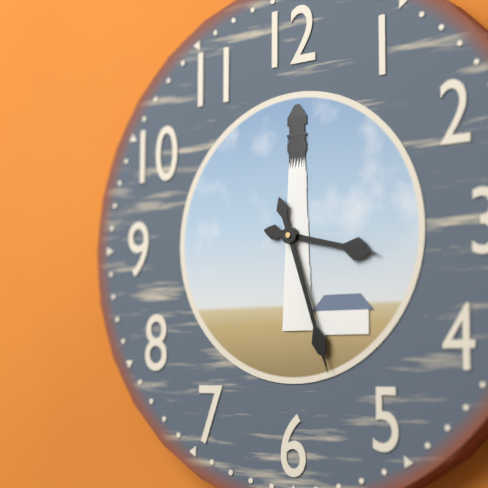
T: 3 h 27 min
